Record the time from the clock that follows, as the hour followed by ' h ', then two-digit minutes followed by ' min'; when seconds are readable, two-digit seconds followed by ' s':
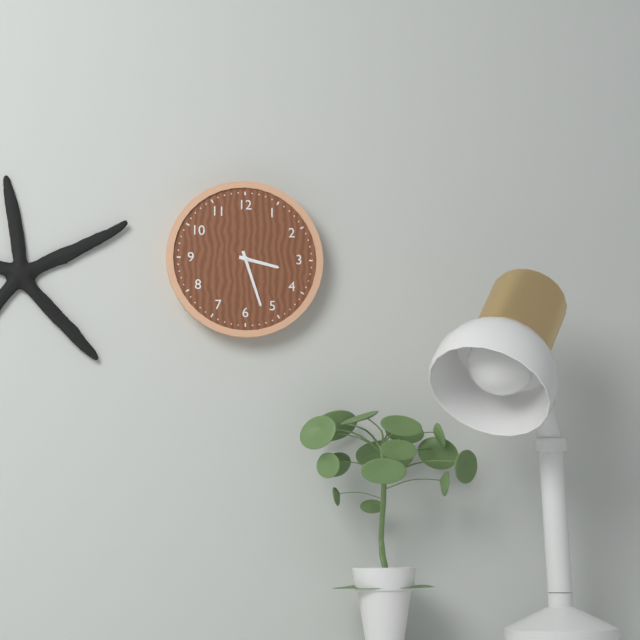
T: 3 h 27 min
